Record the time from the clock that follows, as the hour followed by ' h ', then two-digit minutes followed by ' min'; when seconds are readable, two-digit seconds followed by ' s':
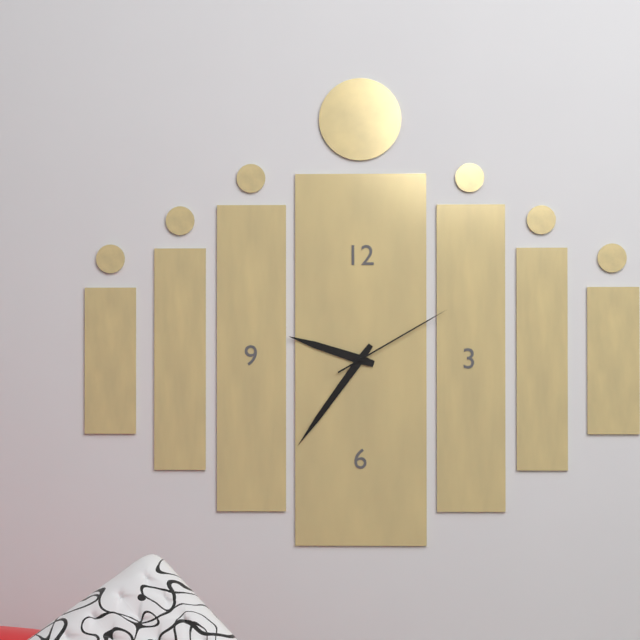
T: 9 h 36 min 10 s
